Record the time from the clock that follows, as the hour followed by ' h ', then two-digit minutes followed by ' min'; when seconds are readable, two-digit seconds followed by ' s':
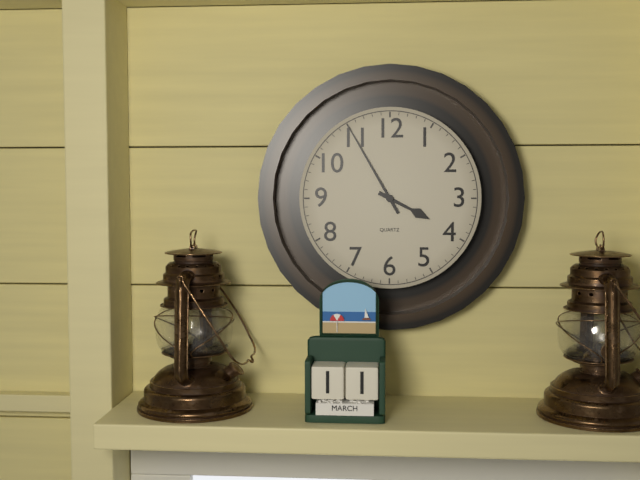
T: 3 h 55 min
